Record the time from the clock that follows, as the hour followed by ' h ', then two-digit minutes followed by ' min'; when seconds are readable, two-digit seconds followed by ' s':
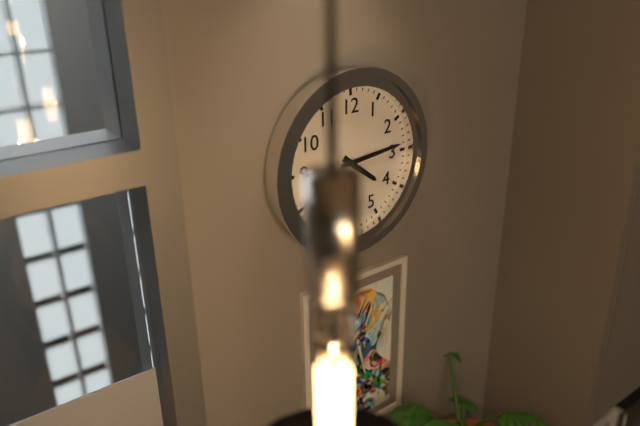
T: 4 h 14 min
